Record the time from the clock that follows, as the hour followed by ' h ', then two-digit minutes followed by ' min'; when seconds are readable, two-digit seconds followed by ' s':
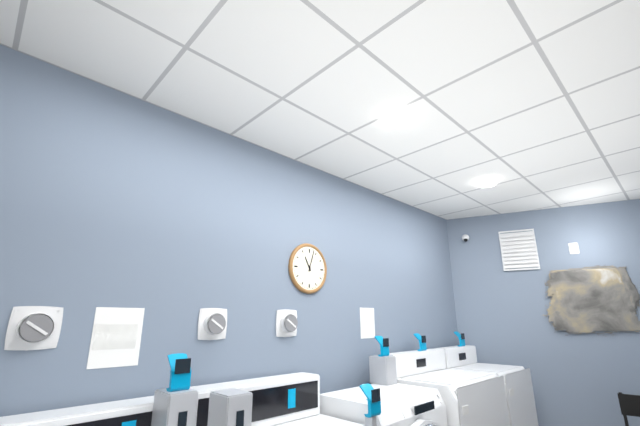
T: 11 h 03 min
